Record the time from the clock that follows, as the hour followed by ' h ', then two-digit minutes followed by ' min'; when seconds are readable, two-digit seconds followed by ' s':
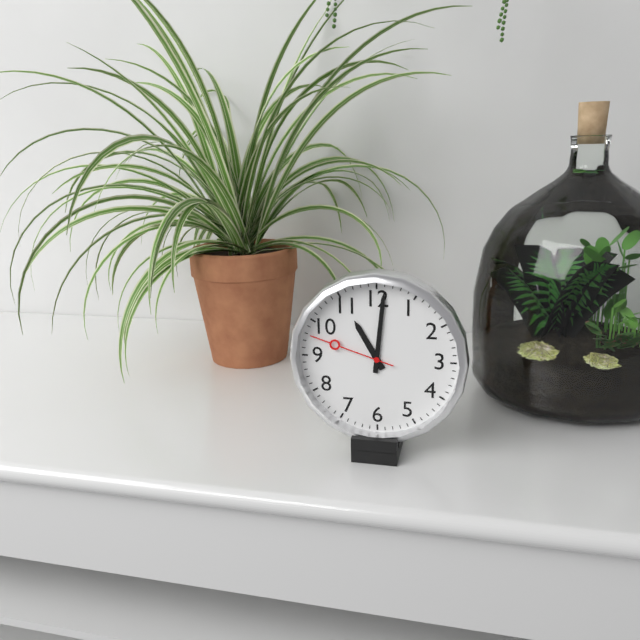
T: 11 h 01 min 48 s
